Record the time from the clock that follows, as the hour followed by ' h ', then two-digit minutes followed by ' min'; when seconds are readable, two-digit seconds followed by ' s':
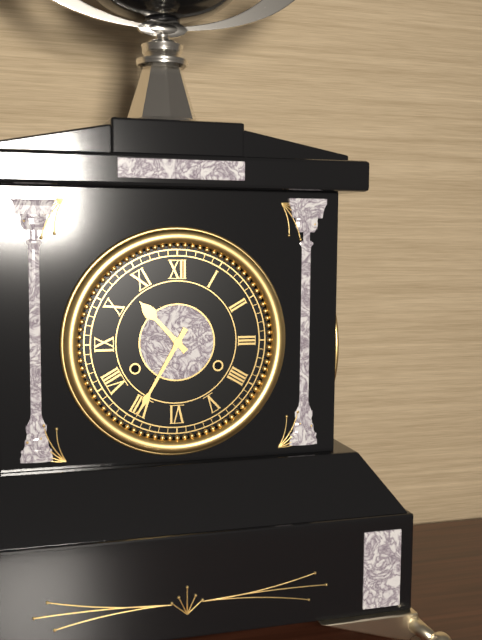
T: 10 h 35 min
